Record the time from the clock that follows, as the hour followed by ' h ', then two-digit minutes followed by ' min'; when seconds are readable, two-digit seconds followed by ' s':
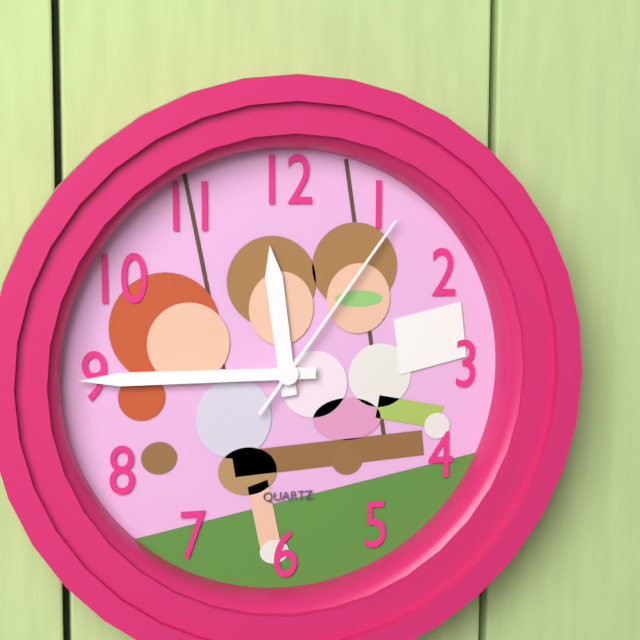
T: 11 h 45 min 06 s
